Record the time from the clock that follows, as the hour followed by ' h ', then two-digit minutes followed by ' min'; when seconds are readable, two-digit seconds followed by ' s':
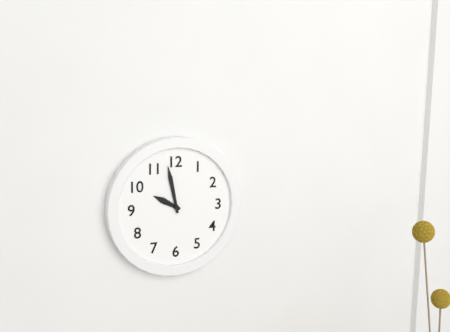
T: 9 h 58 min
